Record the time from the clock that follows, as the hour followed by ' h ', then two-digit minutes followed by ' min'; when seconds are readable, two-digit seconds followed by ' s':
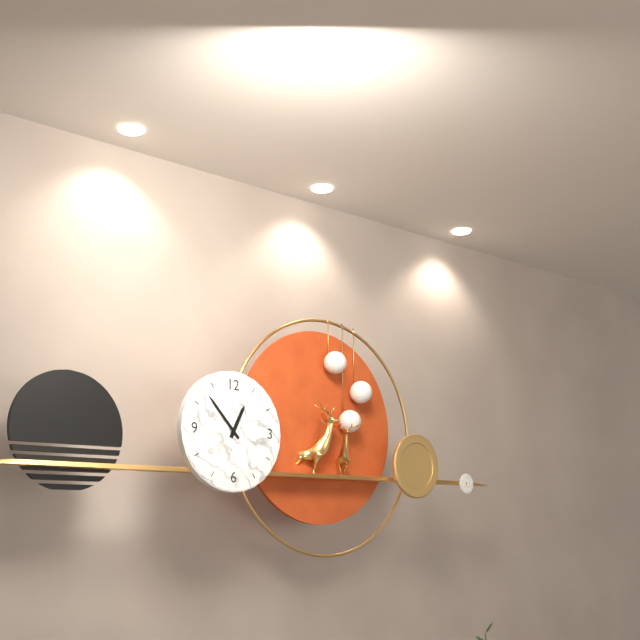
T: 12 h 53 min
